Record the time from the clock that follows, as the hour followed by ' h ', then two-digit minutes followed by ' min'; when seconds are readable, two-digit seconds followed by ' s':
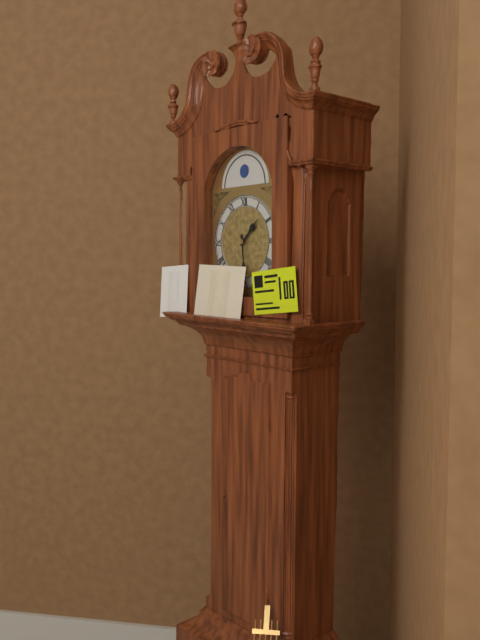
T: 1 h 29 min
